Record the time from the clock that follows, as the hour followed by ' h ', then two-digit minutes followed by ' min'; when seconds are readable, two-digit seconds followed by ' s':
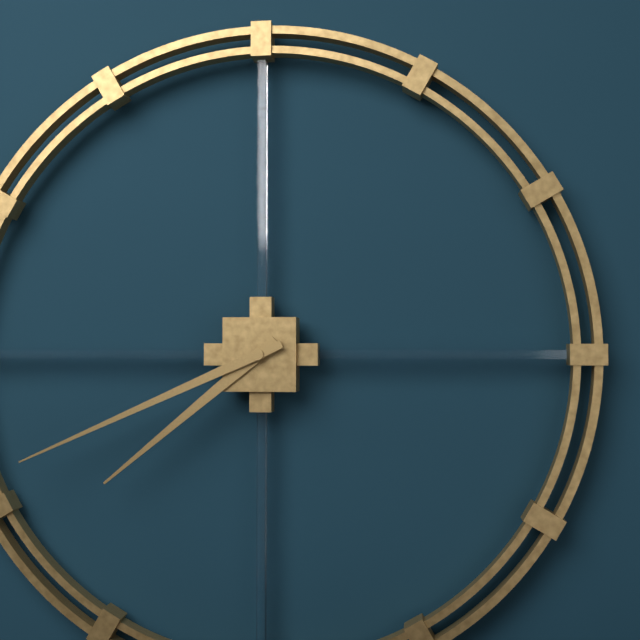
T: 7 h 41 min
